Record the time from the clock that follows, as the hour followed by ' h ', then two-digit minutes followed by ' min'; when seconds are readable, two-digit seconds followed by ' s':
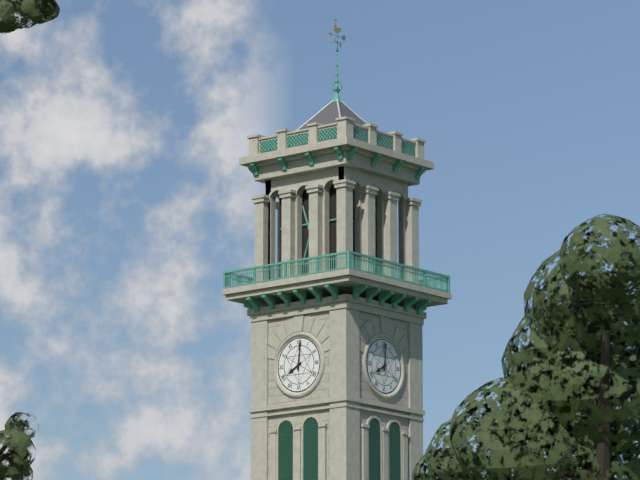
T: 8 h 01 min
